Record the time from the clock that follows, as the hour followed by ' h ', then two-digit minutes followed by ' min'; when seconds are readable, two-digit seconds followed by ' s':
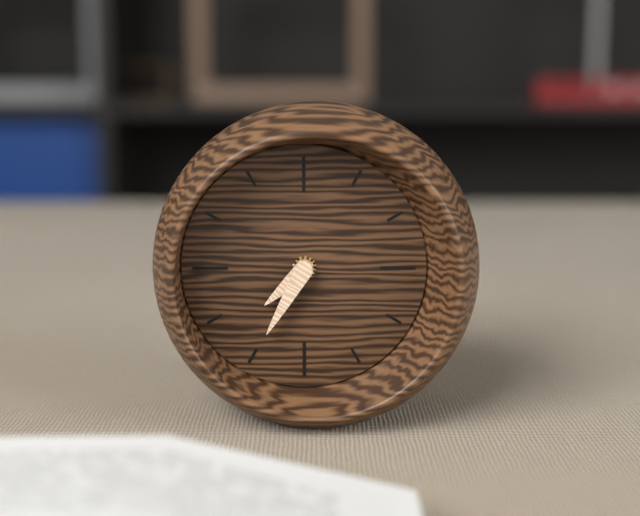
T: 7 h 35 min
